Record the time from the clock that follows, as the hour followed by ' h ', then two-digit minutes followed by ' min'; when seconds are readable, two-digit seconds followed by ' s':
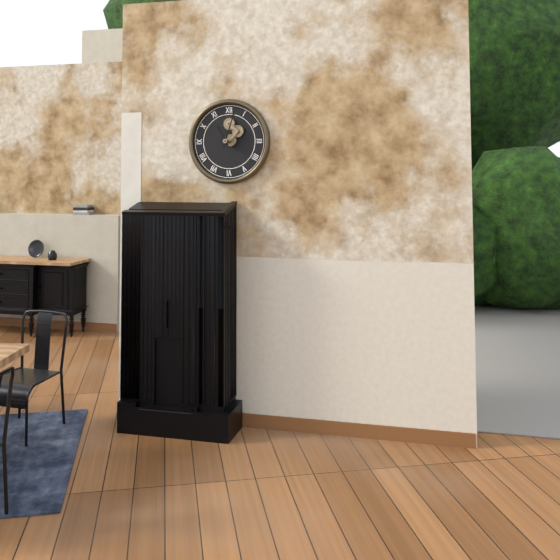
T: 11 h 03 min
